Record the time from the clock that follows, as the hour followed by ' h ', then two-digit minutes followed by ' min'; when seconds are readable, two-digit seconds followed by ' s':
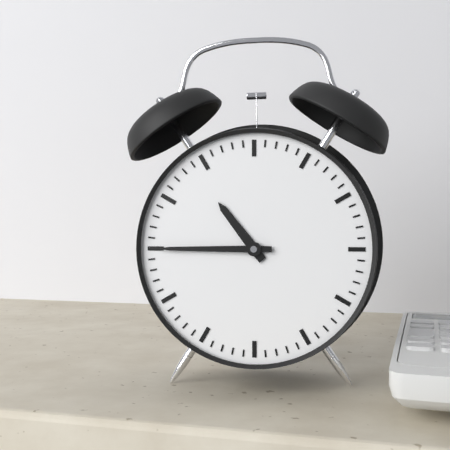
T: 10 h 45 min
